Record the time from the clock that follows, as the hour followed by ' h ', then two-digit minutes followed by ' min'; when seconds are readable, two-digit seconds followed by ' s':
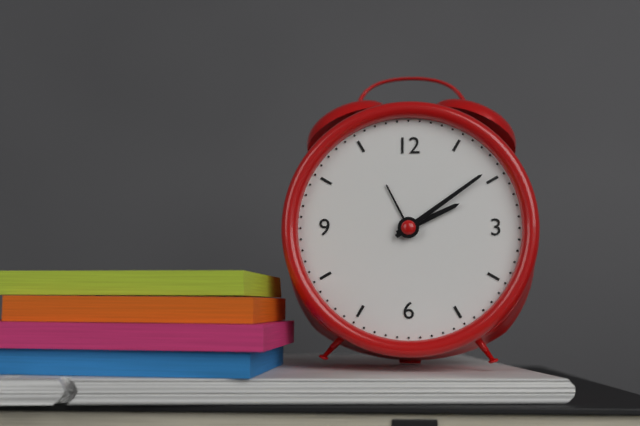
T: 2 h 09 min
